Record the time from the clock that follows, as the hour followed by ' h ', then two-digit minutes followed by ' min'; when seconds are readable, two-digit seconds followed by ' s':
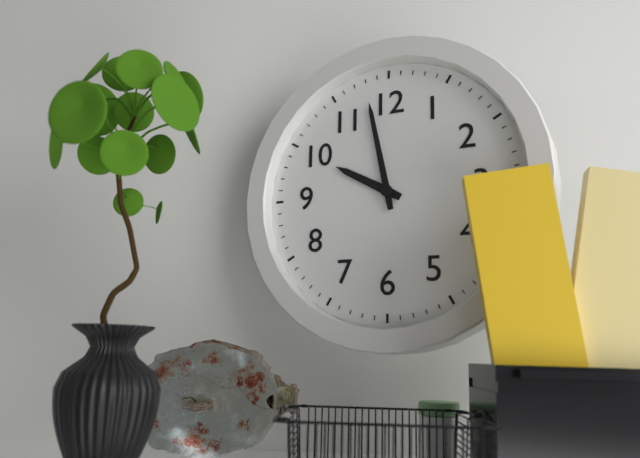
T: 9 h 58 min
